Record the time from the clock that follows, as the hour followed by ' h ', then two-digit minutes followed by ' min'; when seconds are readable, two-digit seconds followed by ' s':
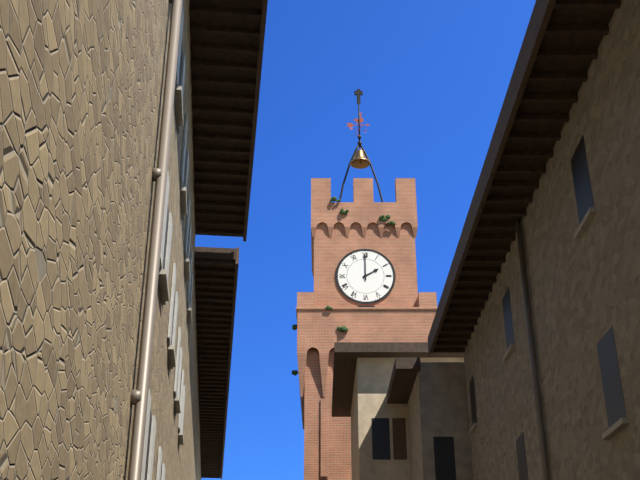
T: 2 h 00 min
